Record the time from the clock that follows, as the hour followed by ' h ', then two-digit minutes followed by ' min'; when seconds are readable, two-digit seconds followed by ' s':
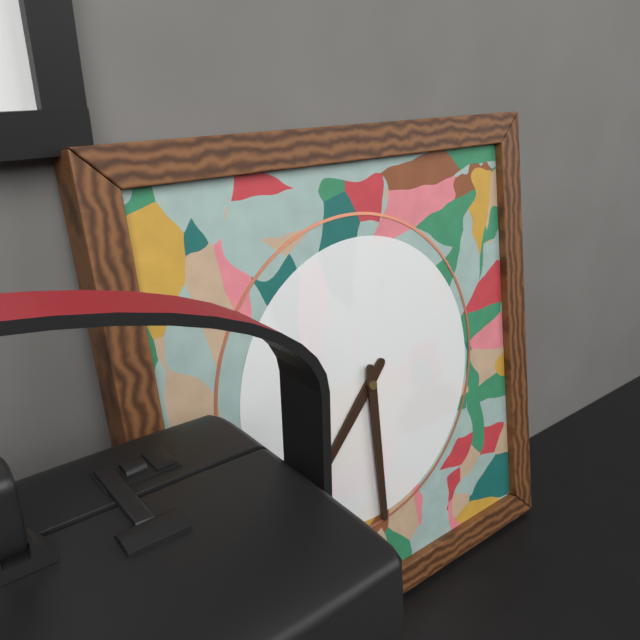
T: 7 h 30 min
